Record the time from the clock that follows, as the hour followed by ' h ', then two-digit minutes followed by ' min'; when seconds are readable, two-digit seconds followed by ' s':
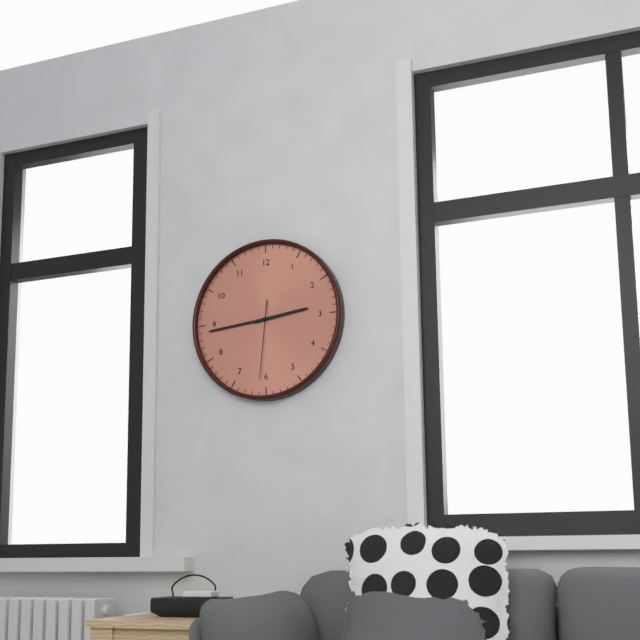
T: 2 h 44 min 31 s
